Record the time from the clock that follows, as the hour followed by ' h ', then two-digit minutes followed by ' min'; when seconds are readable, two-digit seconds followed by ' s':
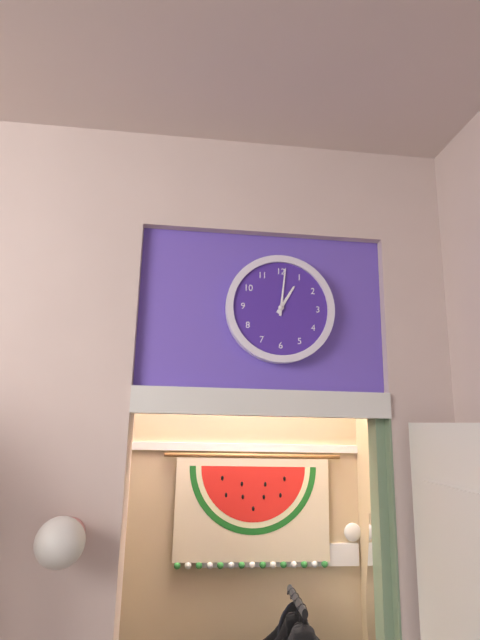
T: 1 h 01 min
